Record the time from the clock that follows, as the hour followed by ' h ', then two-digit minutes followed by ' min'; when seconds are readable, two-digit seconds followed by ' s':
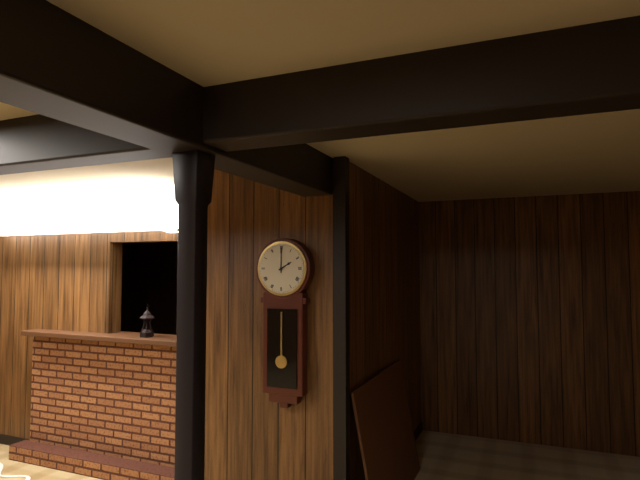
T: 2 h 00 min
